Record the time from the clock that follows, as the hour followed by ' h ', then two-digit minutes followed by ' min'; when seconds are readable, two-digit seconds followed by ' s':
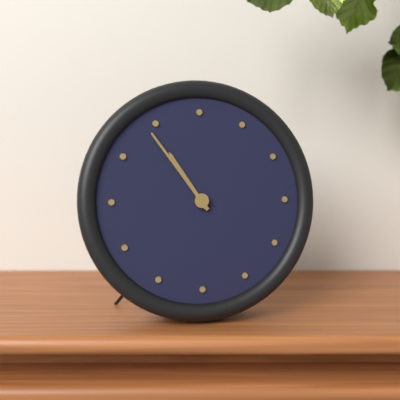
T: 10 h 54 min
